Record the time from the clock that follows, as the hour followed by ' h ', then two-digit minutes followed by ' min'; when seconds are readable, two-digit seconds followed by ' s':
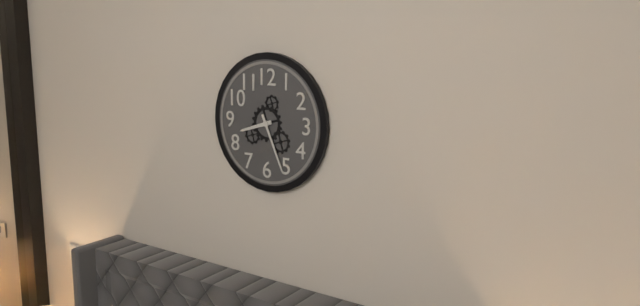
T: 8 h 26 min
